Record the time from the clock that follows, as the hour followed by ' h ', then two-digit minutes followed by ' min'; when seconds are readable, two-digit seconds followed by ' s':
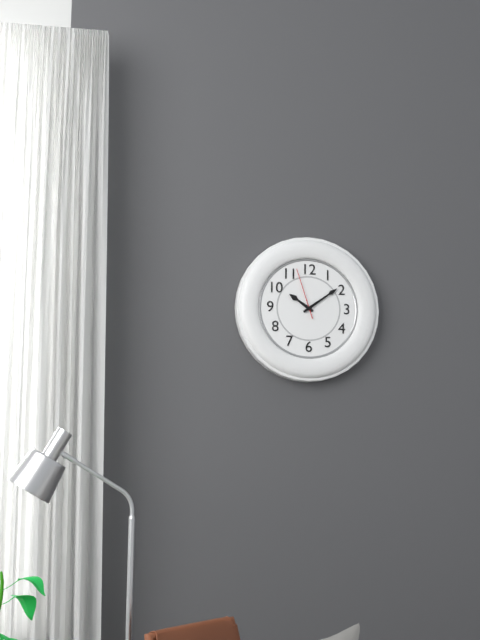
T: 10 h 09 min 57 s
